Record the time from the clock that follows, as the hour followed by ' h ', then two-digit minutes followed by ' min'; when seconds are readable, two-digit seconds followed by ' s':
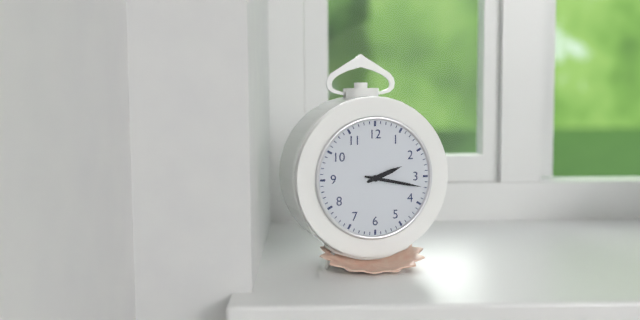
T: 2 h 17 min
